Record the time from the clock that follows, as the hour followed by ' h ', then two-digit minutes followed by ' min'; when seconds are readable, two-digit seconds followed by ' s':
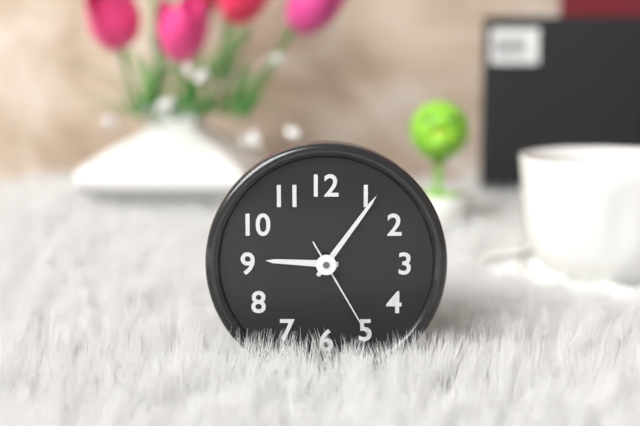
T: 9 h 06 min 25 s
